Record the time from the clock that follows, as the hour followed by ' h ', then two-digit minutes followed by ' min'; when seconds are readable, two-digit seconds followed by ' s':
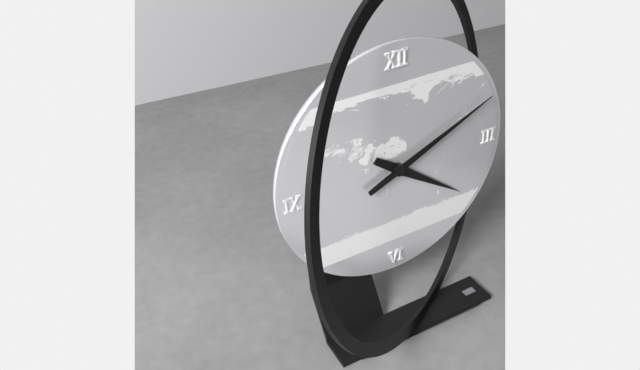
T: 4 h 11 min
